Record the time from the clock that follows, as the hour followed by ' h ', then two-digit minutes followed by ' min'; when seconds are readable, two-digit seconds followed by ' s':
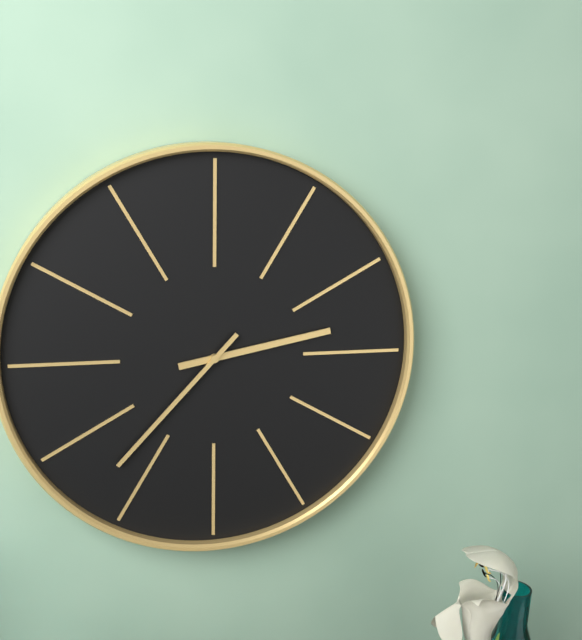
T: 2 h 37 min
